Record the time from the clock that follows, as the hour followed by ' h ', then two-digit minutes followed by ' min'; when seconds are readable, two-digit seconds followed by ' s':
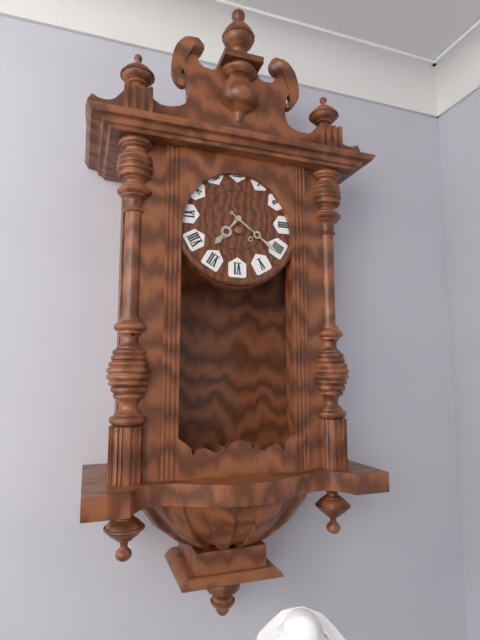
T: 7 h 21 min
